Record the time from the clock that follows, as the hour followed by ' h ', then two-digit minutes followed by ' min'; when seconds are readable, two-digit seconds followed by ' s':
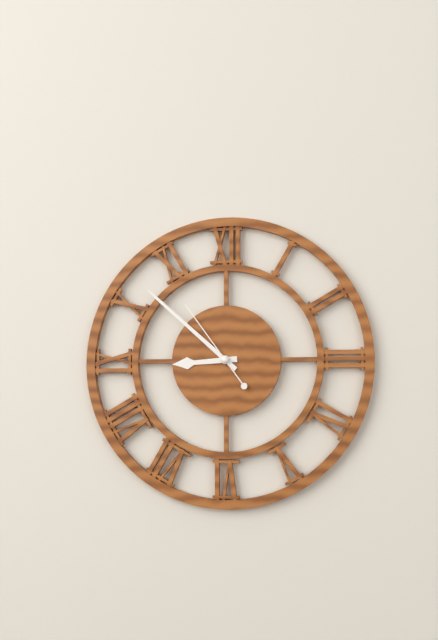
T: 8 h 52 min 54 s
